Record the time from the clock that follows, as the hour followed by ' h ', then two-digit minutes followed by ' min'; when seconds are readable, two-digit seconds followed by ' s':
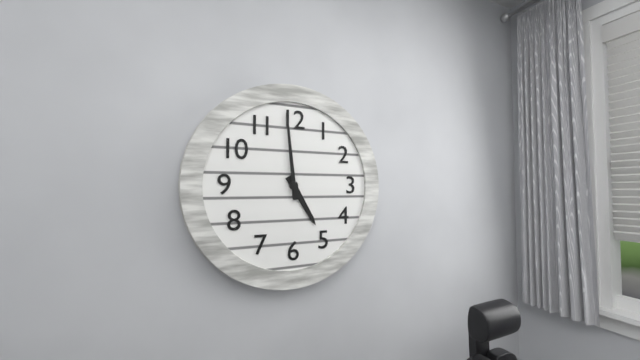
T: 4 h 59 min
